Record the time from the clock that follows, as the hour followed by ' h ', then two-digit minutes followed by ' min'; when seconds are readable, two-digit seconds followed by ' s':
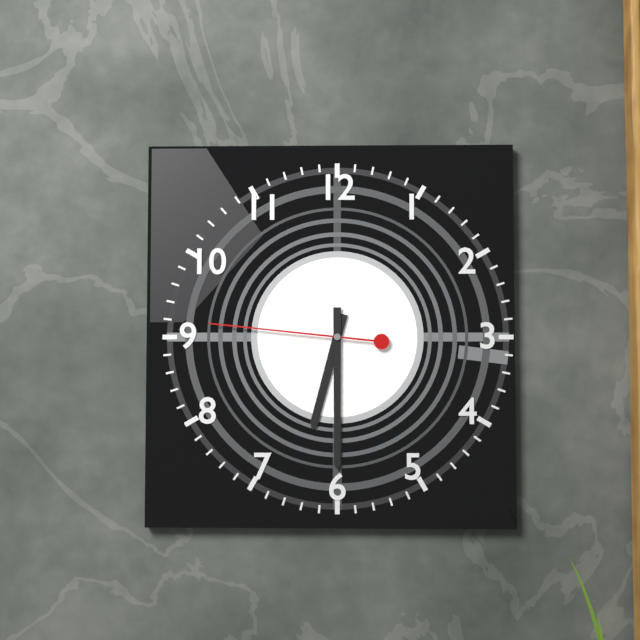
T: 6 h 30 min 46 s
